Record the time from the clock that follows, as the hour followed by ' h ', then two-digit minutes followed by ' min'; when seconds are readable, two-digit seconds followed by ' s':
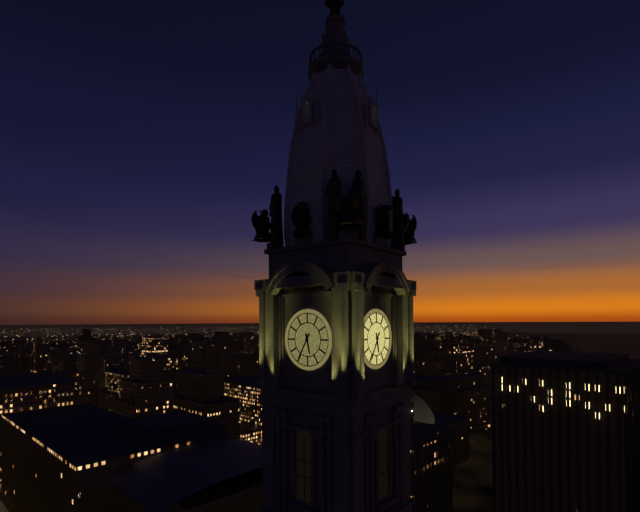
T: 5 h 35 min
